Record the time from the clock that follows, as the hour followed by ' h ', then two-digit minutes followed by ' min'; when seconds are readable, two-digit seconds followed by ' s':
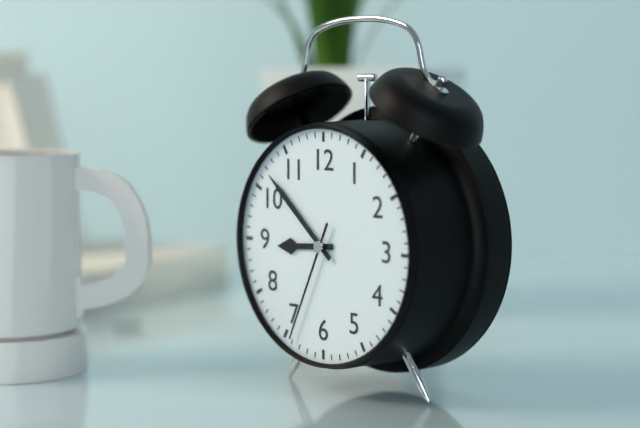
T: 8 h 52 min 34 s
